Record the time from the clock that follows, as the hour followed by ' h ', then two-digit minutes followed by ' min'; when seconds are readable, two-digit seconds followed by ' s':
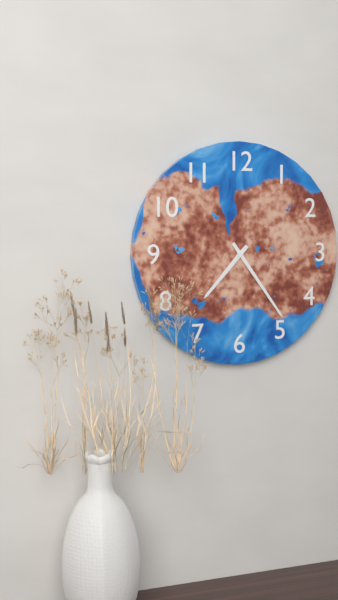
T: 7 h 24 min
